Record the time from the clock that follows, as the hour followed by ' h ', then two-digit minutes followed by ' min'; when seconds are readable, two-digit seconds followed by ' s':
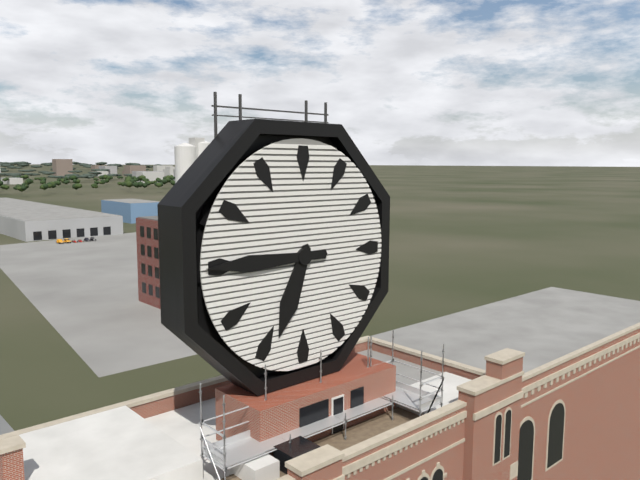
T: 6 h 45 min
